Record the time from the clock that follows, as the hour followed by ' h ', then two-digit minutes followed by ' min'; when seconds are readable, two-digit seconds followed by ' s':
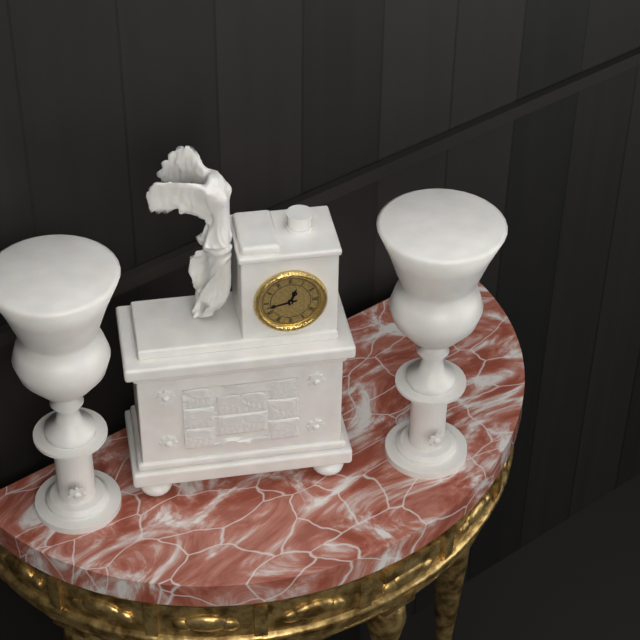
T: 12 h 43 min
